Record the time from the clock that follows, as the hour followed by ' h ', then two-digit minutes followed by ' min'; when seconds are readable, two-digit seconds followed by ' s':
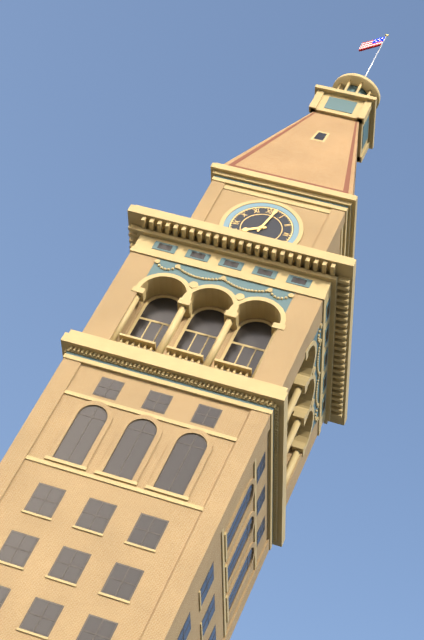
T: 8 h 02 min
